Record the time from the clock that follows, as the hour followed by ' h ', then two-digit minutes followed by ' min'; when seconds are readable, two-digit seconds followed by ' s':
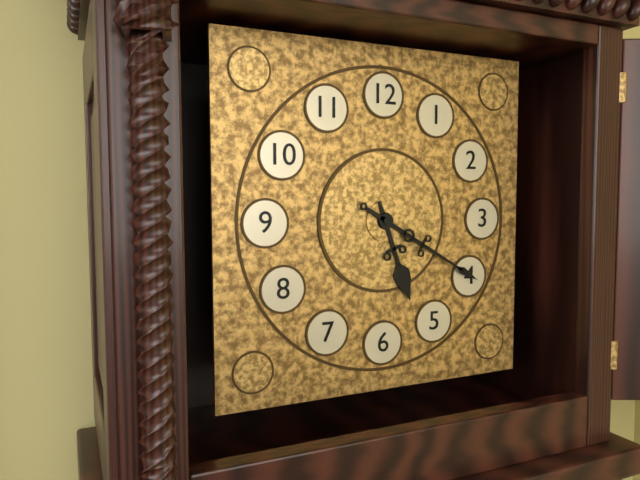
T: 5 h 20 min
